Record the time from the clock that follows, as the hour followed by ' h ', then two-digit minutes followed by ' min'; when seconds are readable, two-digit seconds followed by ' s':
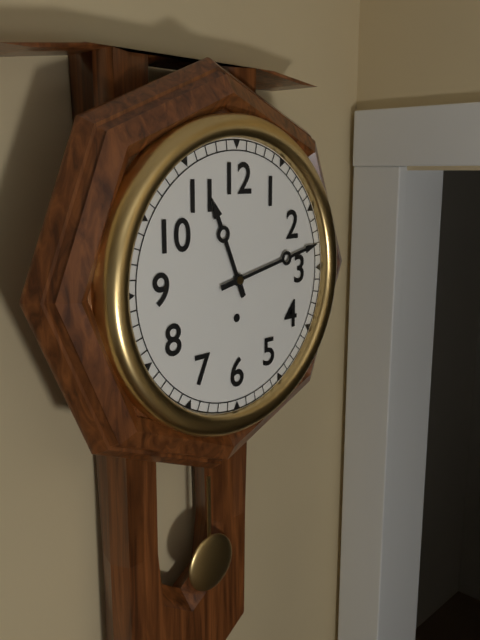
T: 11 h 13 min
